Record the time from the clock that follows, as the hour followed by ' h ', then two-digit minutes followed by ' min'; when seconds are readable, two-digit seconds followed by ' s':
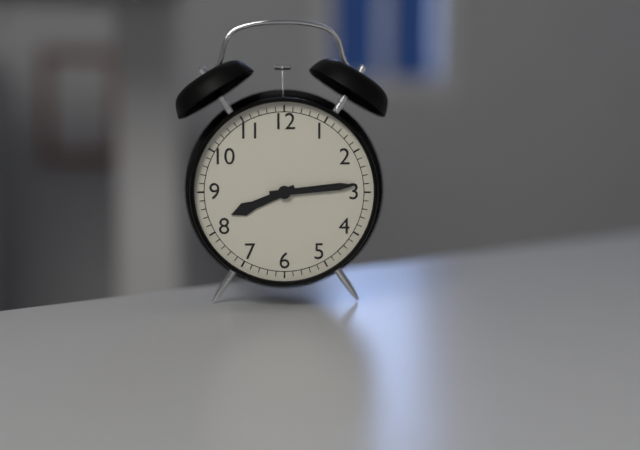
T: 8 h 14 min
